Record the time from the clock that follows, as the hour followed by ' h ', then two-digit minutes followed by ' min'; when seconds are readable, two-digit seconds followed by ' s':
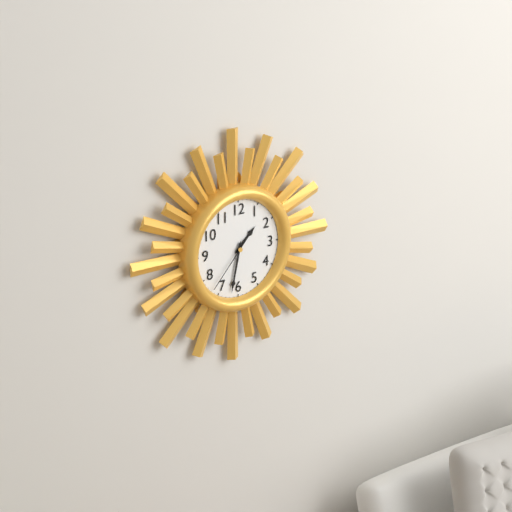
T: 1 h 32 min 37 s
